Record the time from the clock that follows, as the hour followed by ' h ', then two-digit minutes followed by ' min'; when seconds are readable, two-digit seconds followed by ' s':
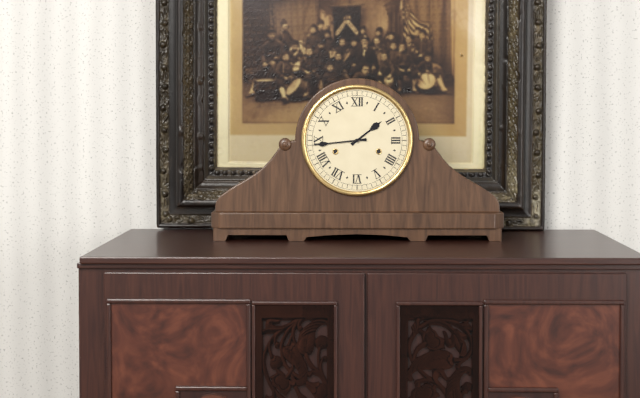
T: 1 h 44 min
